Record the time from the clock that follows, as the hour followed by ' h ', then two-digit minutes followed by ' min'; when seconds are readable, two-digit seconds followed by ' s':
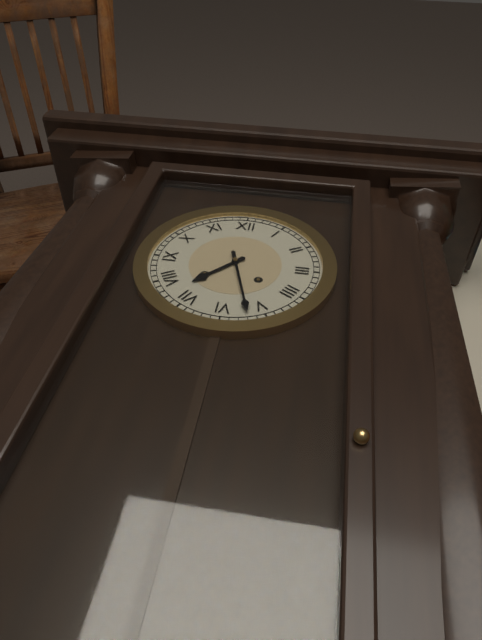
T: 7 h 27 min
